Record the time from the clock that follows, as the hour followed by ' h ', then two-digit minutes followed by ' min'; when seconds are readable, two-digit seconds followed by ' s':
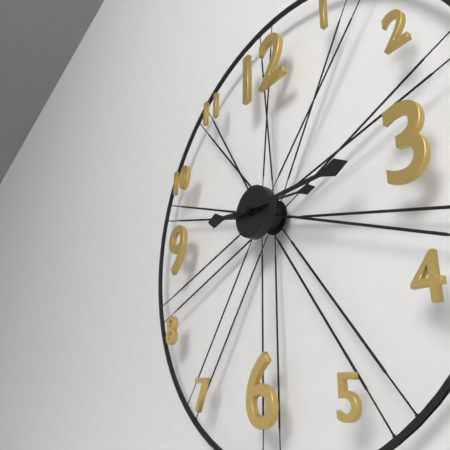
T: 9 h 15 min 16 s
